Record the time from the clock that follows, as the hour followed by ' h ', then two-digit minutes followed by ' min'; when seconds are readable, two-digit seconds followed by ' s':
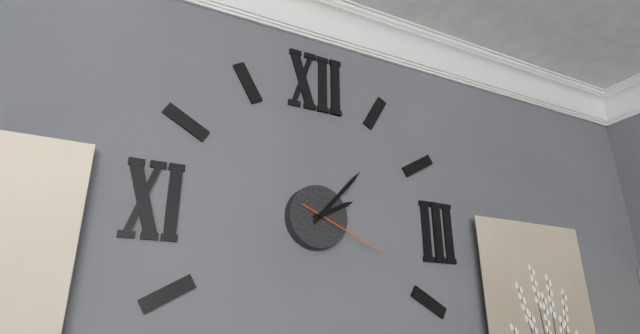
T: 2 h 07 min 19 s
